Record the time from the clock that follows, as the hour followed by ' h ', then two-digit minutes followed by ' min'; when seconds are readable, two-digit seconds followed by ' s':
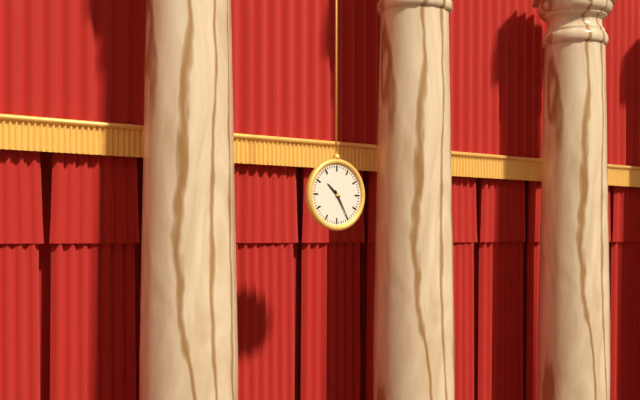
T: 10 h 25 min
